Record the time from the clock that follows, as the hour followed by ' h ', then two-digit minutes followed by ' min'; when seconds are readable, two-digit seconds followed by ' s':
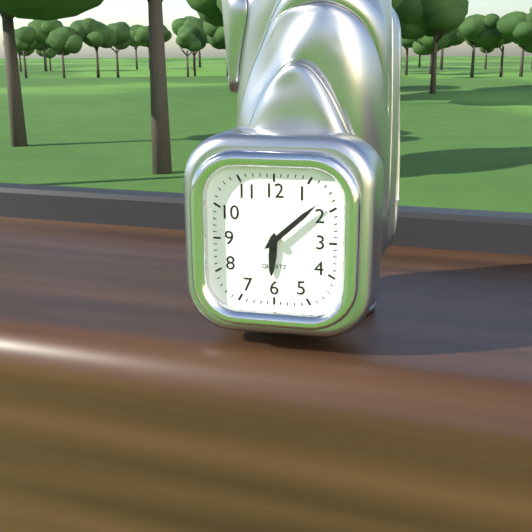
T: 6 h 08 min
